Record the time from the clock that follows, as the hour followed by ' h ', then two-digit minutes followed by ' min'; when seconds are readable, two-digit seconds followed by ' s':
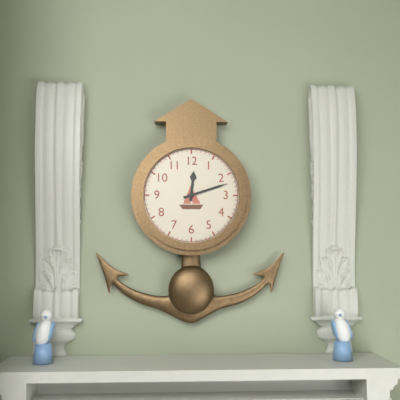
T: 12 h 12 min
